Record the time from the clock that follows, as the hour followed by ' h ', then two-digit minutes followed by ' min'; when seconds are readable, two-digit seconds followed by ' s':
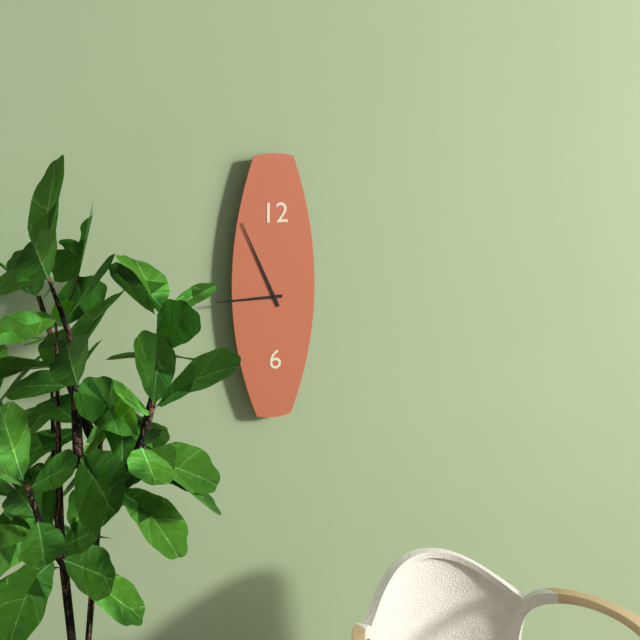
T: 8 h 56 min
